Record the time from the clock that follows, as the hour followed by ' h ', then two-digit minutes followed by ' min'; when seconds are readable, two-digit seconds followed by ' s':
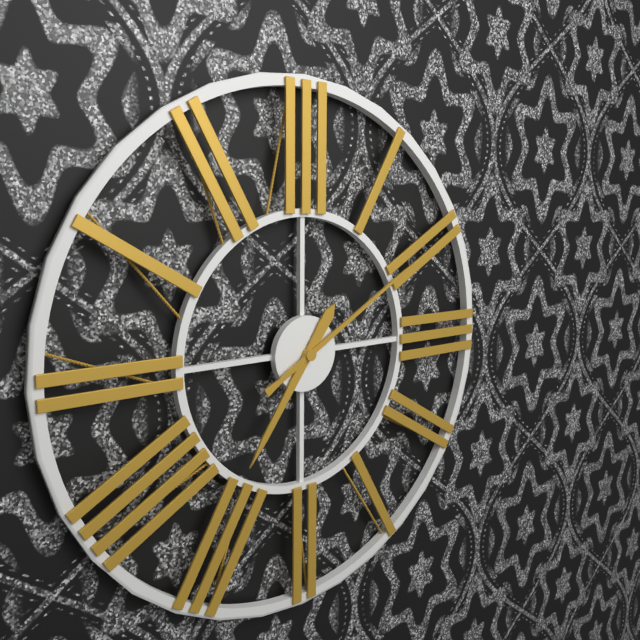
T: 7 h 10 min
